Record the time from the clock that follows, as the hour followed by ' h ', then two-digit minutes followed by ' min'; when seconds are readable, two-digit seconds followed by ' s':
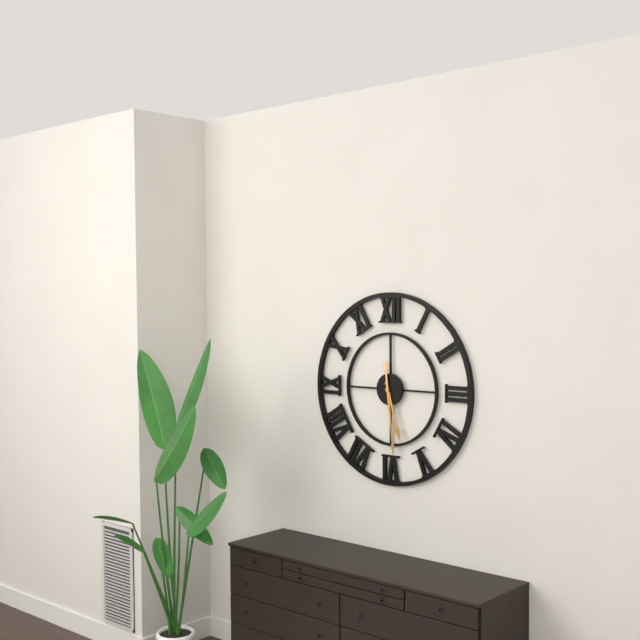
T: 5 h 29 min
